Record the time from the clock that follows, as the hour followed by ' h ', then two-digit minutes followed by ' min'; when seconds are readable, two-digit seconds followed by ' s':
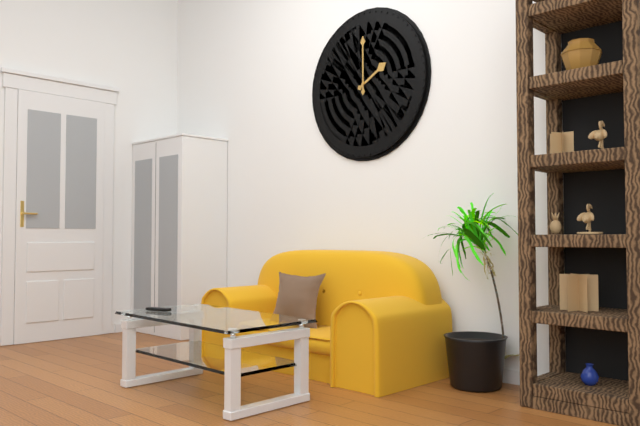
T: 2 h 00 min
